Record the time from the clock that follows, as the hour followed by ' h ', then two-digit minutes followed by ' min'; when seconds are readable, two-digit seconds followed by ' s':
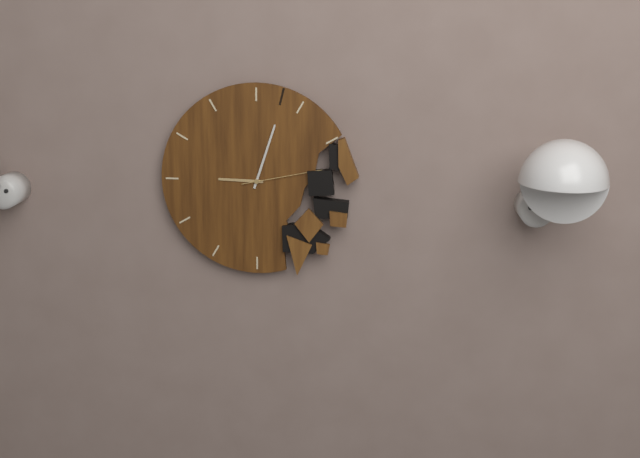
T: 9 h 03 min 13 s
